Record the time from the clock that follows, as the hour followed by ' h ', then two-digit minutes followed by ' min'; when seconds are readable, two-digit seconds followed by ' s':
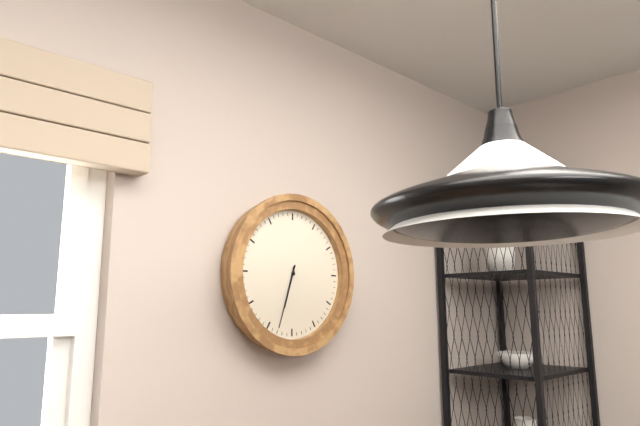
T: 6 h 33 min
